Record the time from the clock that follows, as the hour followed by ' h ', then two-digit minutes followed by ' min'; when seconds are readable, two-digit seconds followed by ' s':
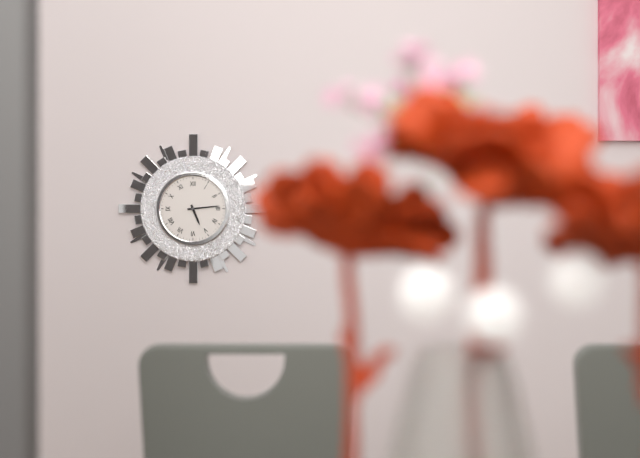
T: 5 h 14 min
